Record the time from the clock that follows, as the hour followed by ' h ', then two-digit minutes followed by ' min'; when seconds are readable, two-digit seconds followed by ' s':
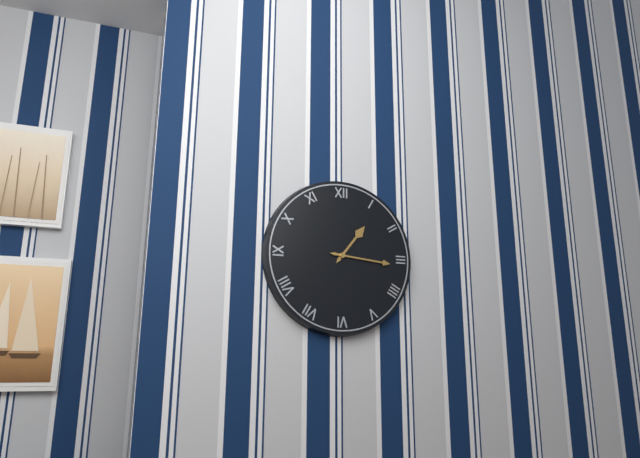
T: 1 h 16 min
